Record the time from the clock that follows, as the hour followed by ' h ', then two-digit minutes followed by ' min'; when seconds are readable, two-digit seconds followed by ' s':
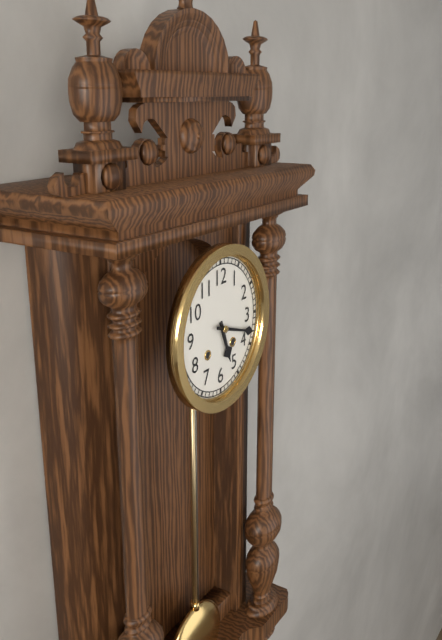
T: 5 h 18 min
